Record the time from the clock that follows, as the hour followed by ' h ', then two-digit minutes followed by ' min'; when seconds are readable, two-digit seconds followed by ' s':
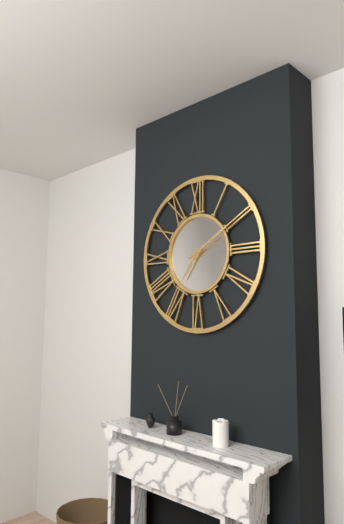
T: 7 h 10 min
